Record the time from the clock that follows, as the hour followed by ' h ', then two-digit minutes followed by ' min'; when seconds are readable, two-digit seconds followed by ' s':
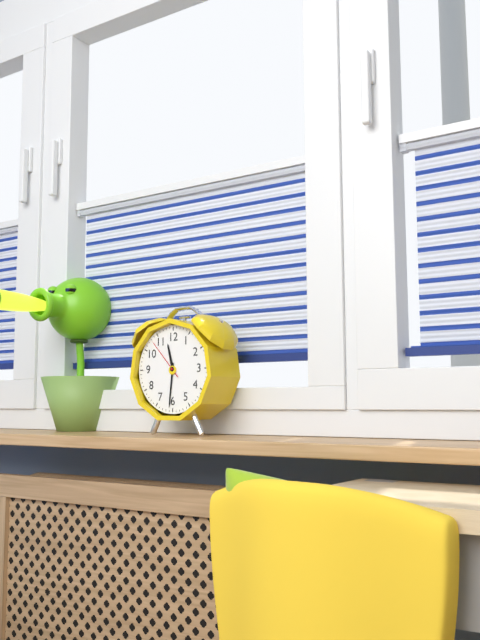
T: 11 h 31 min
